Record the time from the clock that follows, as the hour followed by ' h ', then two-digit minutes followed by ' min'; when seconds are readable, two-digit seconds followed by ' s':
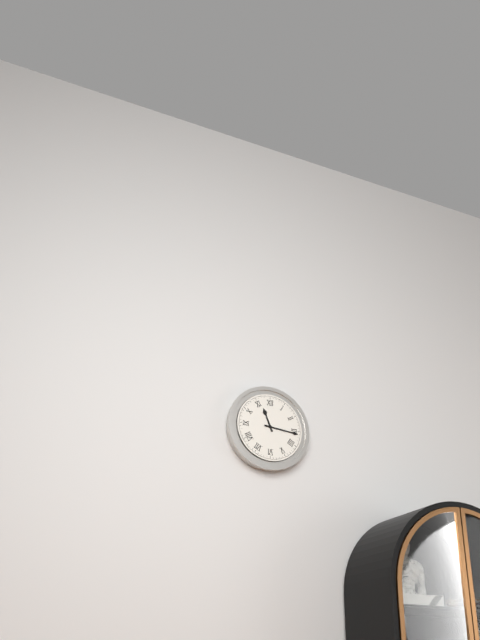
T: 11 h 16 min
